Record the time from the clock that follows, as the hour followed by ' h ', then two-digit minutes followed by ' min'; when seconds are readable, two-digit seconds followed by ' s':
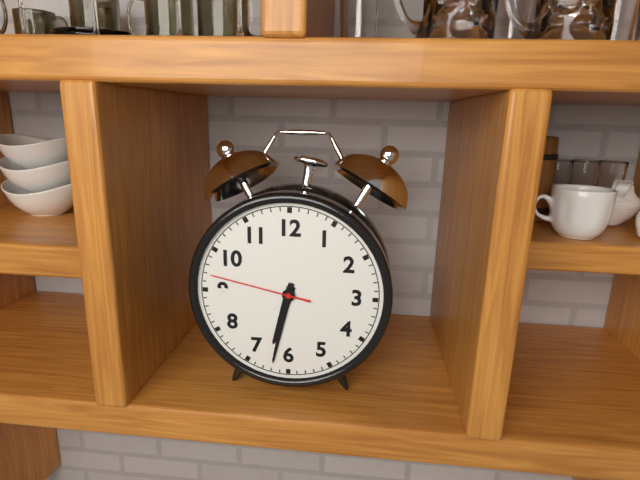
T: 6 h 32 min 47 s
